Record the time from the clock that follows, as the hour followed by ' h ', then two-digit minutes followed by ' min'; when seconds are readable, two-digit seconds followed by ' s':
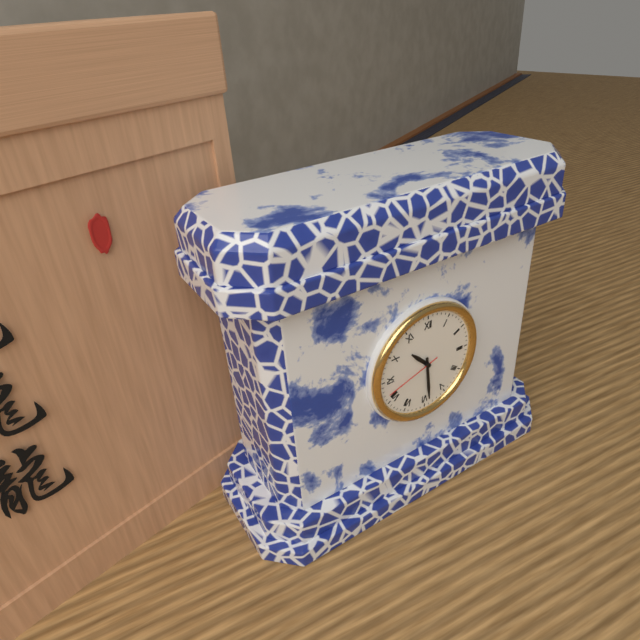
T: 10 h 29 min 42 s
